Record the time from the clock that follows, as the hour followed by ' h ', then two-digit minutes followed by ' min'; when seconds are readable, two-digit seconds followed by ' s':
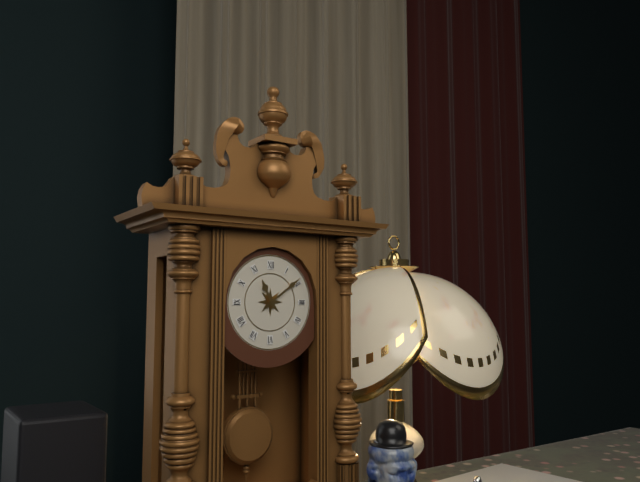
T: 11 h 09 min
